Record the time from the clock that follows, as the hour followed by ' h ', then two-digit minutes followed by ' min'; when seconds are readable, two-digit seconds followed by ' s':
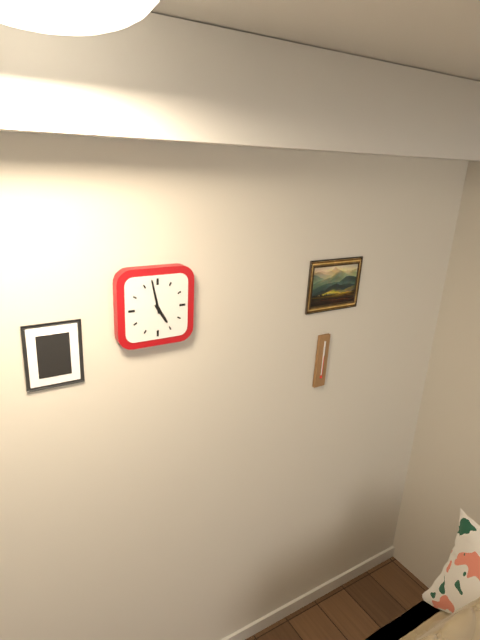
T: 4 h 58 min
